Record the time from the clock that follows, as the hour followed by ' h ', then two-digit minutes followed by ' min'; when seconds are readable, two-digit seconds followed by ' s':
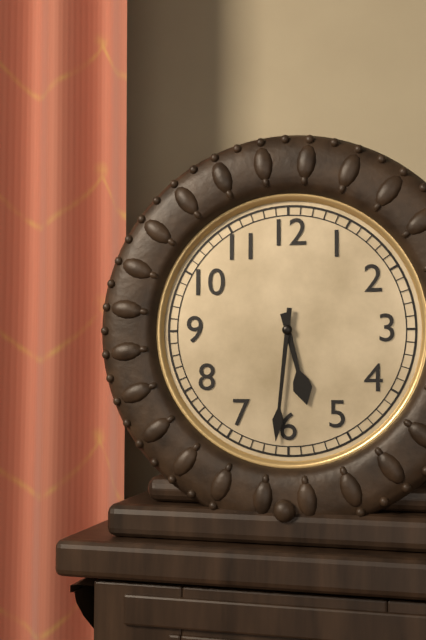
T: 5 h 31 min
